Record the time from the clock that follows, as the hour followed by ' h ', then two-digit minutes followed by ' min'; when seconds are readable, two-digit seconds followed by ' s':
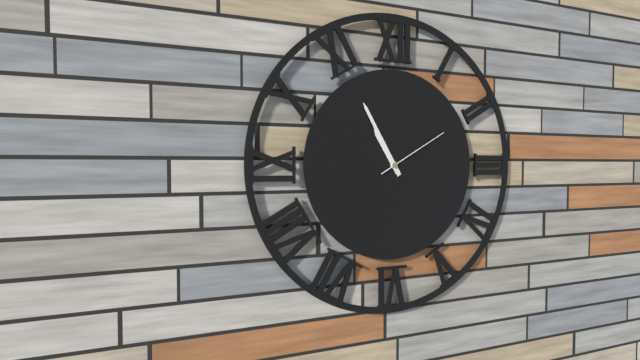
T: 10 h 55 min 10 s
